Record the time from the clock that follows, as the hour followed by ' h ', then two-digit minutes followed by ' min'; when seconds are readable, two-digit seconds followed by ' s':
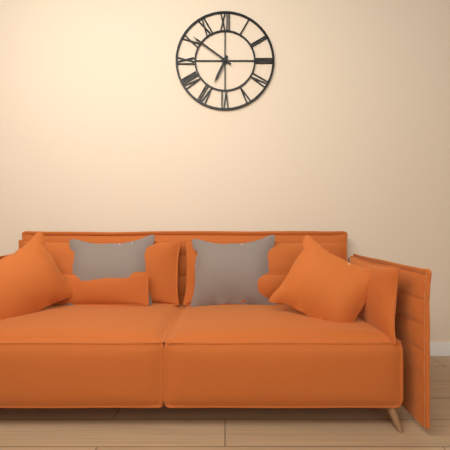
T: 6 h 51 min
